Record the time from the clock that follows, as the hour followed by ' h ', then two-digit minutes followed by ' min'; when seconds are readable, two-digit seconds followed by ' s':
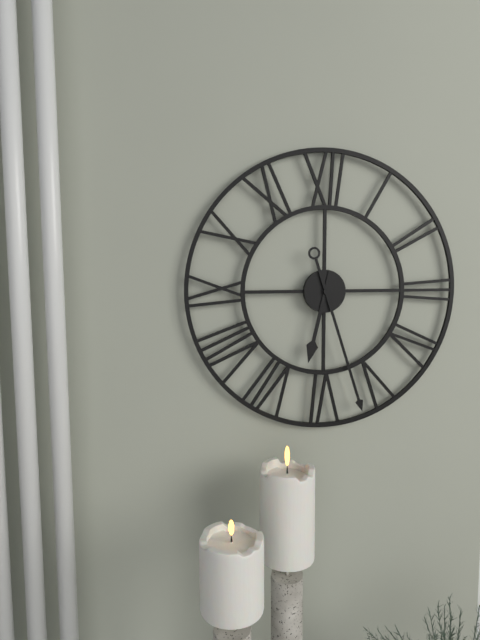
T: 6 h 27 min
